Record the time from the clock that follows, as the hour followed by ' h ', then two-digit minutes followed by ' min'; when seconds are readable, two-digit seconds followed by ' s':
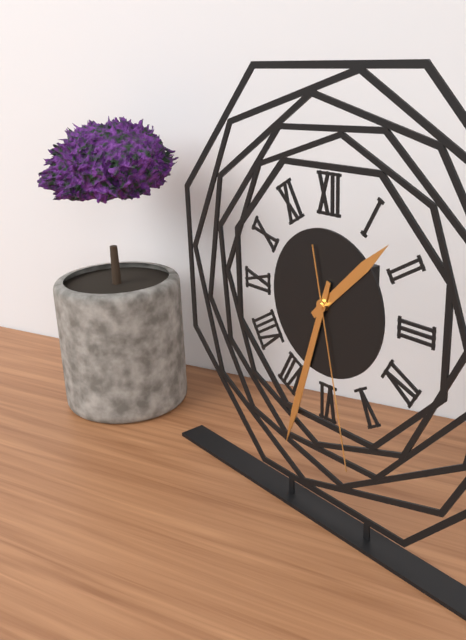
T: 1 h 33 min 28 s
